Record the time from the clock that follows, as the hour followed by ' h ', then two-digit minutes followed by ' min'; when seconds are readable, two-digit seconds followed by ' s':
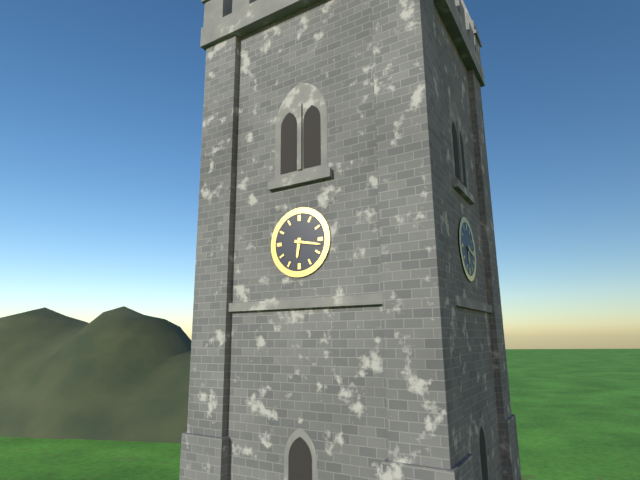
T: 6 h 17 min
